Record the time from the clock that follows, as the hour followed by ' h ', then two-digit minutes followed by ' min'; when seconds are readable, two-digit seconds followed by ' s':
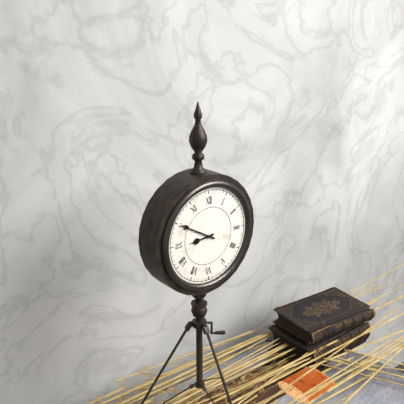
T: 8 h 50 min
